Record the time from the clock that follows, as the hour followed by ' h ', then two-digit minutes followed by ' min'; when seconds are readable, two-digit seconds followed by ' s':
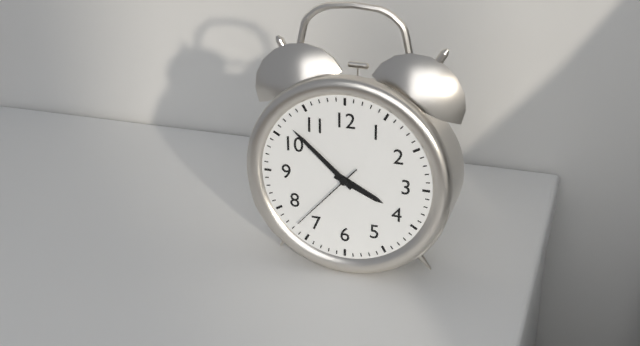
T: 3 h 52 min 37 s
